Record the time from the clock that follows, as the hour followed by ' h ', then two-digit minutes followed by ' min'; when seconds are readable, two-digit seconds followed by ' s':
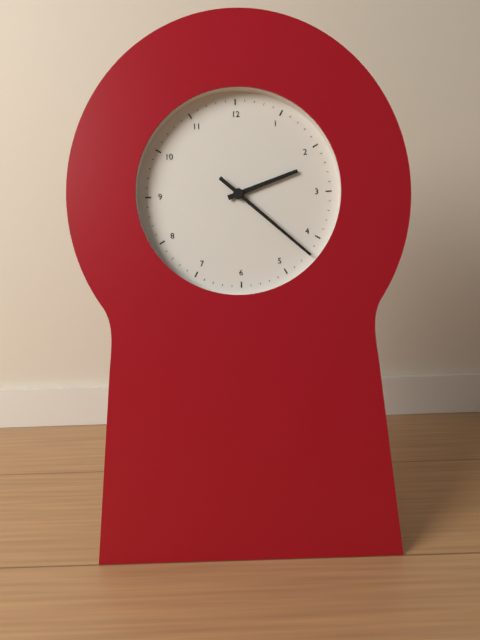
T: 2 h 22 min
